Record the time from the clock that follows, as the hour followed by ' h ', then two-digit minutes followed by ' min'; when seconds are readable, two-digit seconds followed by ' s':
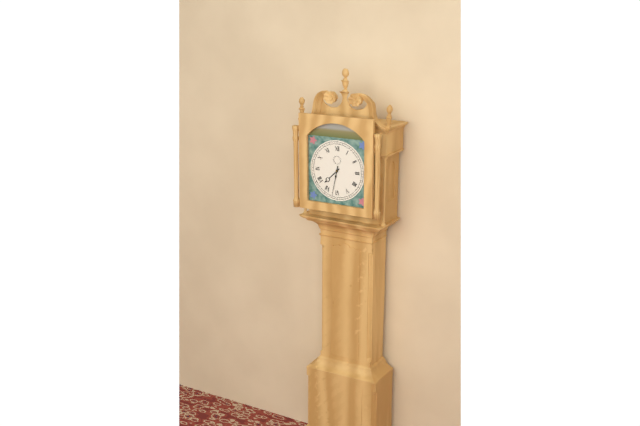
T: 7 h 32 min
